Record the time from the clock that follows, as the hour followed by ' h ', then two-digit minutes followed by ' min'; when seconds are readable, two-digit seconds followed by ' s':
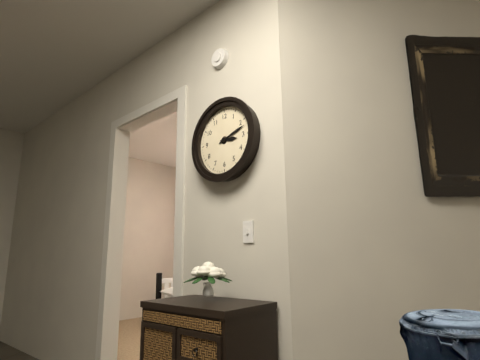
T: 3 h 12 min
